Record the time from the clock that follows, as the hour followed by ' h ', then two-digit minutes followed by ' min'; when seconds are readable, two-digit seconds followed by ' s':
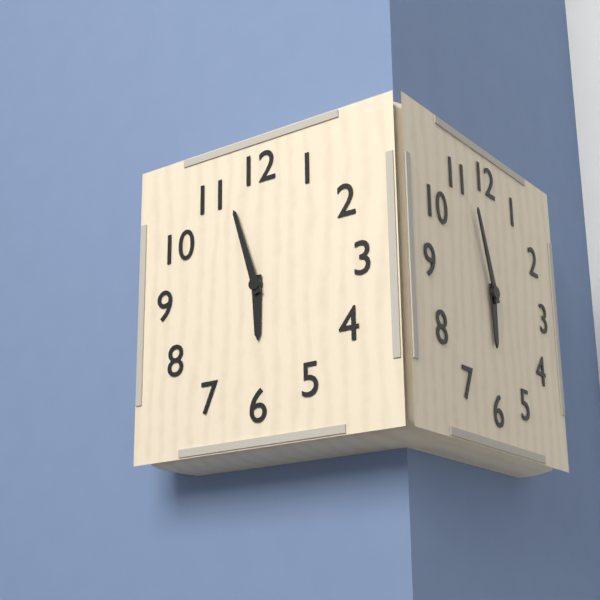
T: 5 h 57 min
